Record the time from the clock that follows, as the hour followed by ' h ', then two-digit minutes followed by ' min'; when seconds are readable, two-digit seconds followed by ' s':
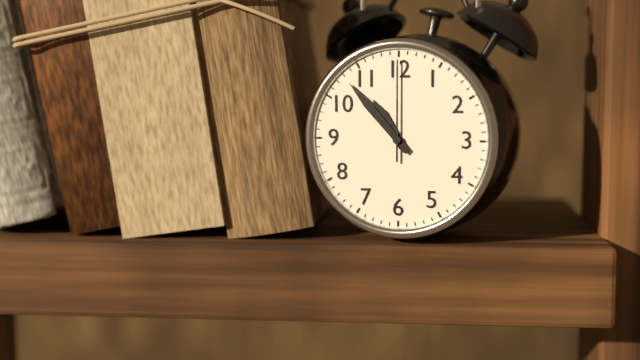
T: 10 h 53 min 00 s
